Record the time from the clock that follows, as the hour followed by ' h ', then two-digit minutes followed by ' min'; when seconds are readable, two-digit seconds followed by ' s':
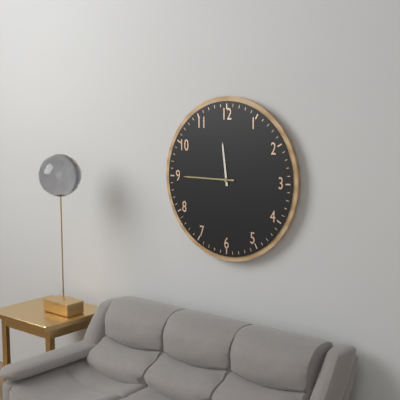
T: 11 h 45 min
